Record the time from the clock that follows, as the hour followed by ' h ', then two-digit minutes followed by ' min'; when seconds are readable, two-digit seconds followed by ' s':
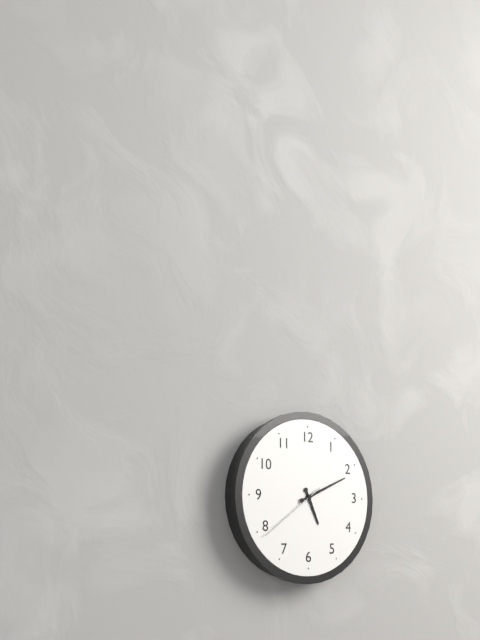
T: 5 h 11 min 39 s
